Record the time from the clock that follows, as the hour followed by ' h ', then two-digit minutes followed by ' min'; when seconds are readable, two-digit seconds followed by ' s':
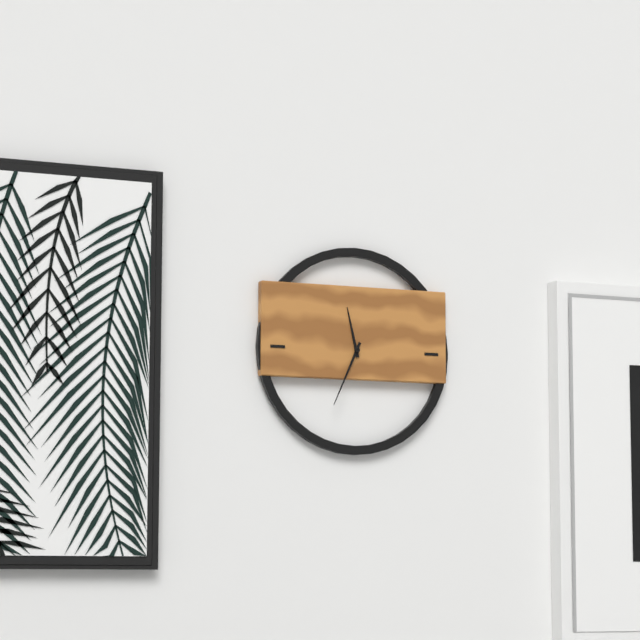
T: 11 h 34 min
